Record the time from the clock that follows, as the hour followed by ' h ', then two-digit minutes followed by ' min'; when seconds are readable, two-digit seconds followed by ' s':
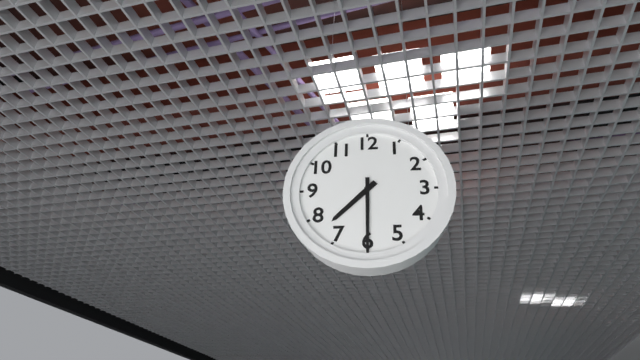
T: 7 h 30 min
